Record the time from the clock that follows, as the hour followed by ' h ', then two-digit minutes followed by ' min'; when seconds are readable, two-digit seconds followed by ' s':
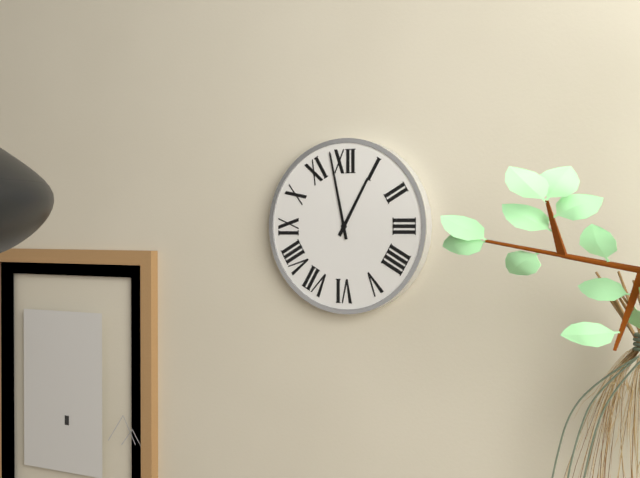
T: 12 h 58 min
